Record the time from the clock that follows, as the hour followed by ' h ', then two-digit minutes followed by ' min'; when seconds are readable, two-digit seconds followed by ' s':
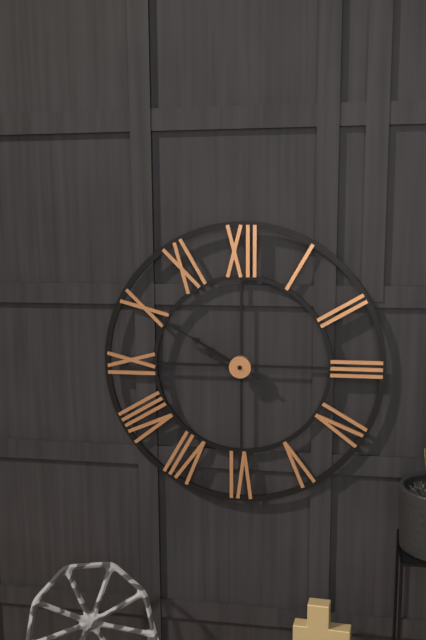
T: 9 h 50 min 50 s
